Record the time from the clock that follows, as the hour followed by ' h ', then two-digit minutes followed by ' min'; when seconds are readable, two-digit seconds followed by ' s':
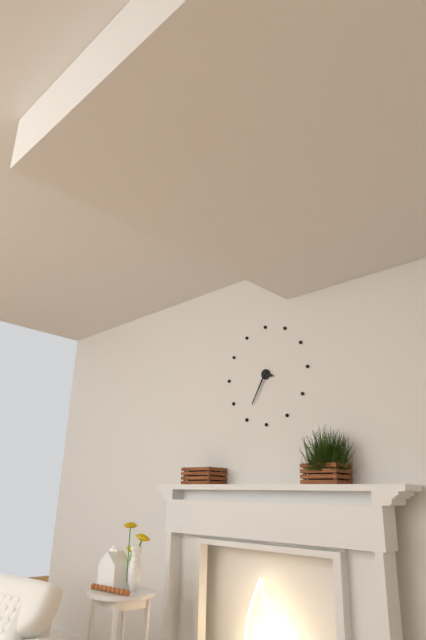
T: 3 h 35 min
